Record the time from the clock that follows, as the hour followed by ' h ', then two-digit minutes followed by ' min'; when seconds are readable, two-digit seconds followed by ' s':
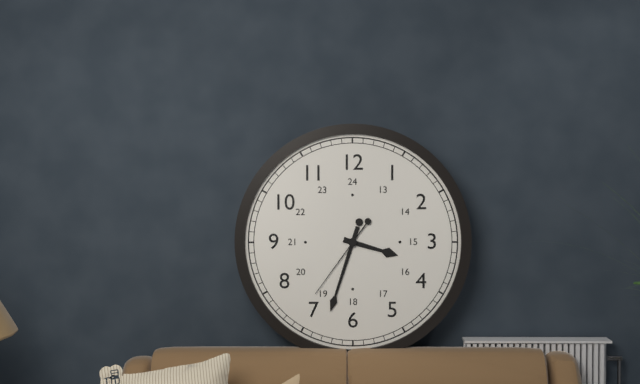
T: 3 h 33 min 36 s
